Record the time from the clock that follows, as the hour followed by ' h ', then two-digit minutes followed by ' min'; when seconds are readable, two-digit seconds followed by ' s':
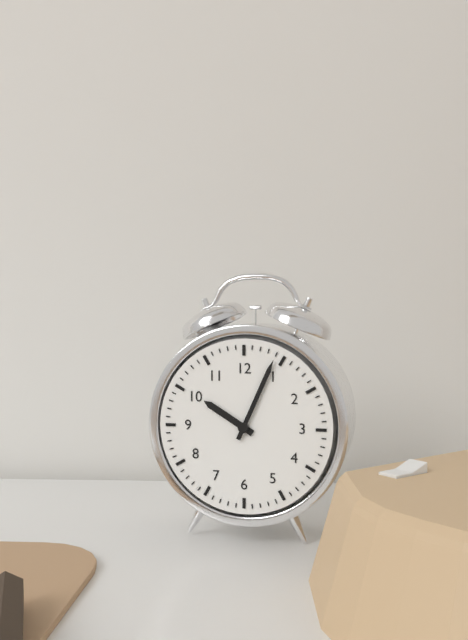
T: 10 h 04 min
